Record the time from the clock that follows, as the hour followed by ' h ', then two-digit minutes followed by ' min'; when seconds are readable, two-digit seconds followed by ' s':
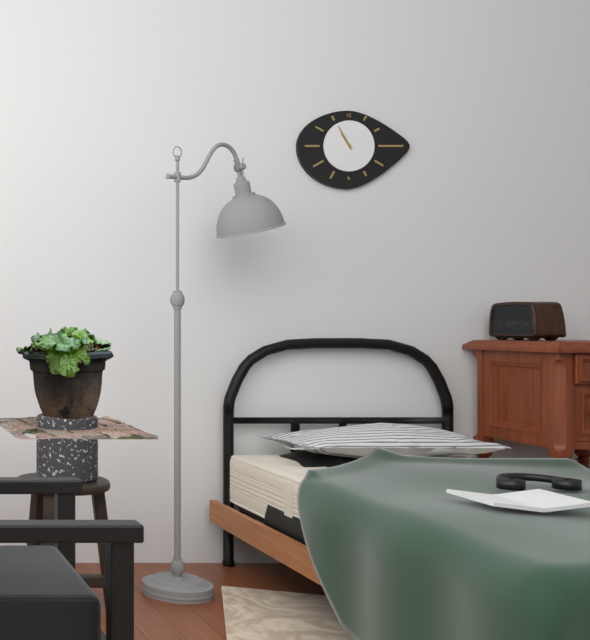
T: 10 h 55 min
